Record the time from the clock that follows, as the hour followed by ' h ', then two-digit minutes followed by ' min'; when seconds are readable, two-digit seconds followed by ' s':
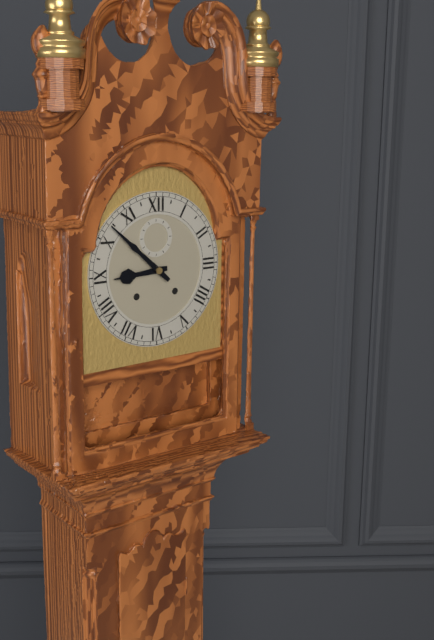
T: 8 h 52 min
